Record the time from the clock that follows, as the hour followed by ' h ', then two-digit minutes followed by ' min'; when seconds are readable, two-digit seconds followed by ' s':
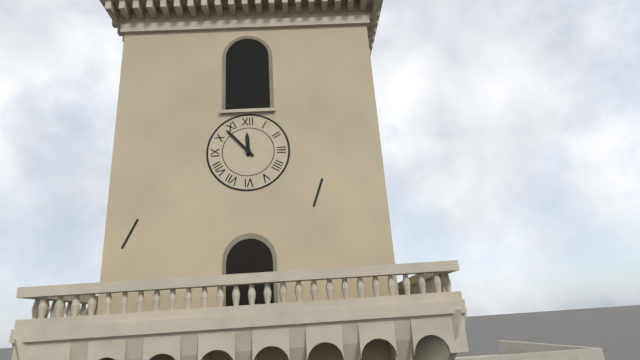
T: 11 h 53 min
